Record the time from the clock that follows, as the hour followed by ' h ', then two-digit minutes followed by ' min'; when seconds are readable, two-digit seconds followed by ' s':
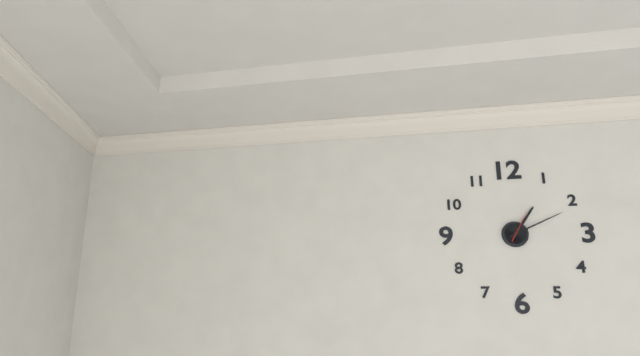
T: 1 h 11 min
